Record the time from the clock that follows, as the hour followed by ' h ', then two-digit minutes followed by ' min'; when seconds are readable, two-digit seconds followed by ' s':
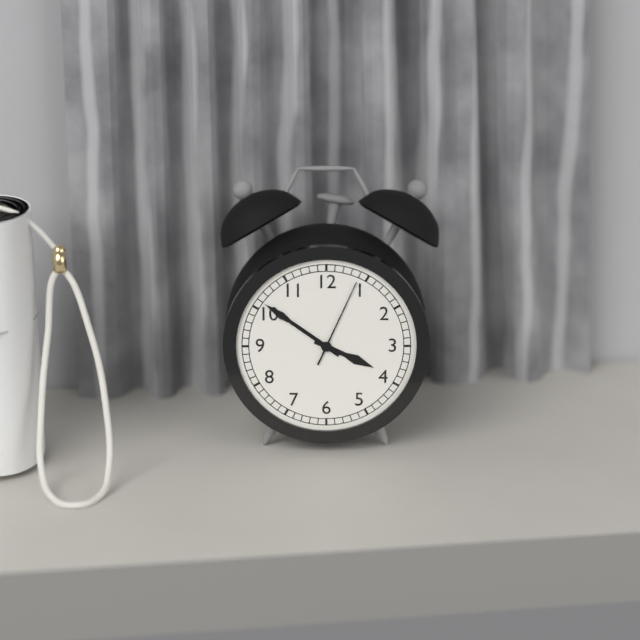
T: 3 h 51 min 04 s
